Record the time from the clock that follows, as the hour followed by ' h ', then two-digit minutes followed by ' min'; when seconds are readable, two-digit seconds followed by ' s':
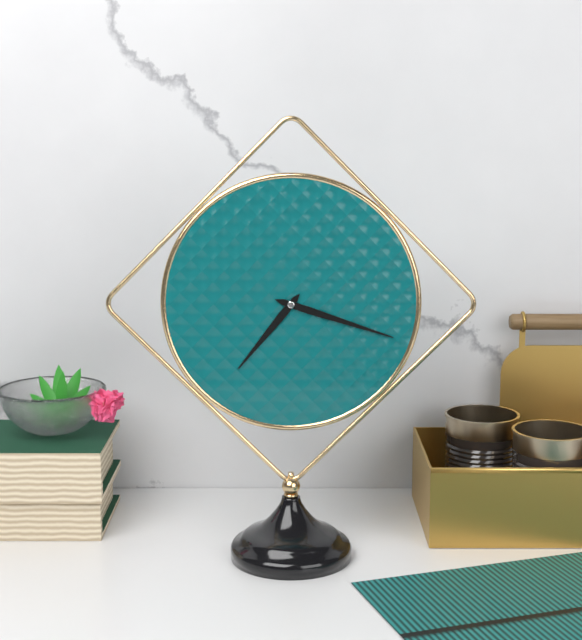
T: 7 h 18 min
